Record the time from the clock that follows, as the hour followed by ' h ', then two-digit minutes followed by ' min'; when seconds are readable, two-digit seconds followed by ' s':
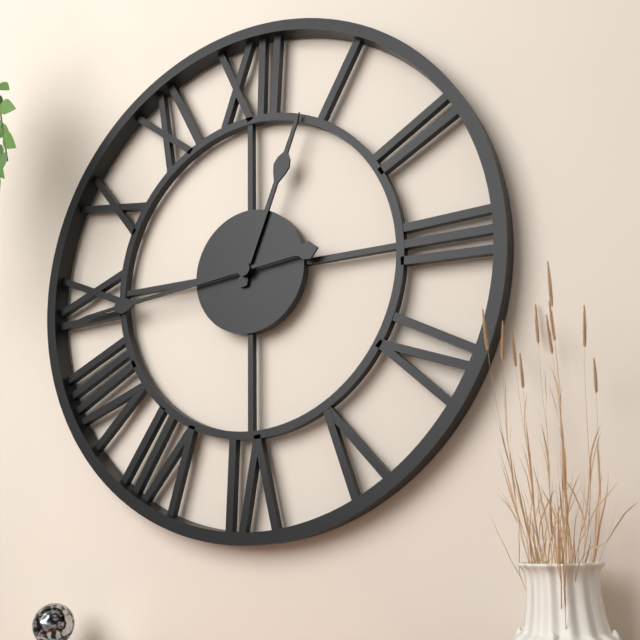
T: 12 h 44 min
